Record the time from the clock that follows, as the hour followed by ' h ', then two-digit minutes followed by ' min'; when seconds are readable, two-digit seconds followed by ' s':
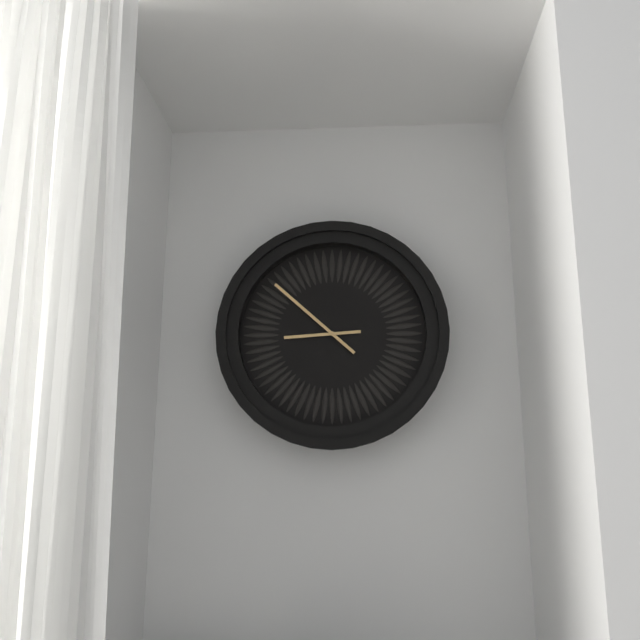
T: 8 h 52 min
